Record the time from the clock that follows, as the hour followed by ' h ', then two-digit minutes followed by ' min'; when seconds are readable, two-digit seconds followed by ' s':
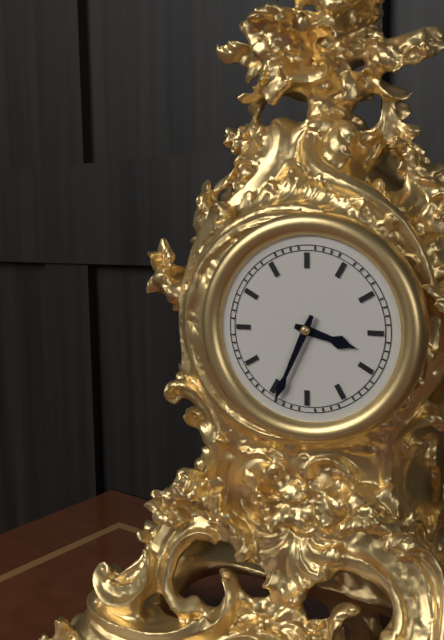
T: 3 h 34 min
